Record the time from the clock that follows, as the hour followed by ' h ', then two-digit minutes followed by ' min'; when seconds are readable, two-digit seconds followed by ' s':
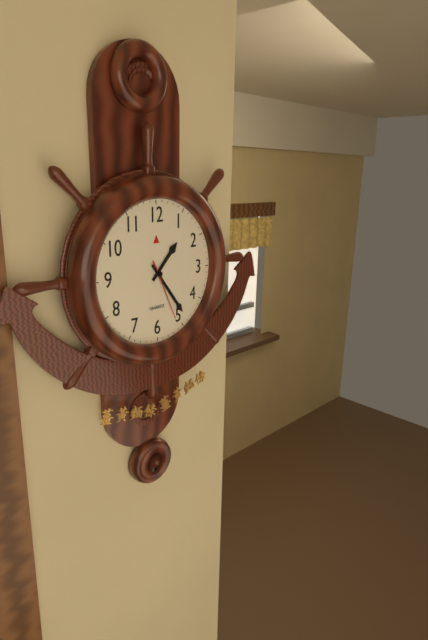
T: 1 h 24 min 26 s
